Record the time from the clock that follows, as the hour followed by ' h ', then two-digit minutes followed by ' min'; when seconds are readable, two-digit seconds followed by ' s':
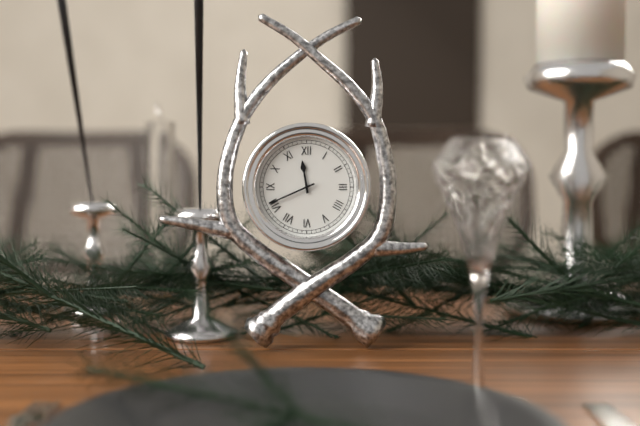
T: 11 h 41 min
